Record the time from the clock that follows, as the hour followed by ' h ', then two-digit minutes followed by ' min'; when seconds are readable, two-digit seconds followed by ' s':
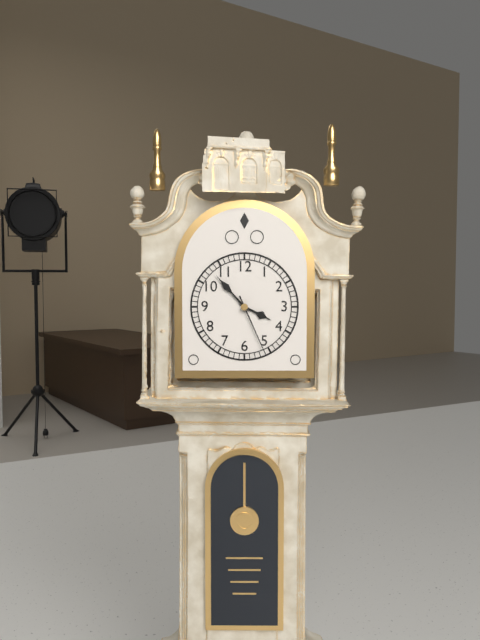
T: 3 h 53 min 26 s
